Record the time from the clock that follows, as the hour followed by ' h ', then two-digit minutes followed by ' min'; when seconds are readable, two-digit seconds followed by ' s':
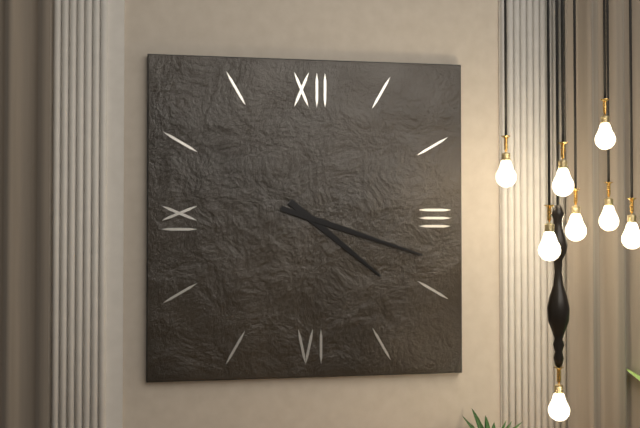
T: 4 h 18 min
